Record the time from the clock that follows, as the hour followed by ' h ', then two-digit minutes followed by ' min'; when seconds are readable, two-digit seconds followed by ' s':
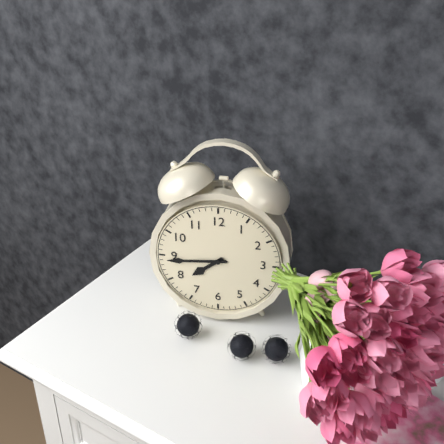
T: 7 h 44 min
